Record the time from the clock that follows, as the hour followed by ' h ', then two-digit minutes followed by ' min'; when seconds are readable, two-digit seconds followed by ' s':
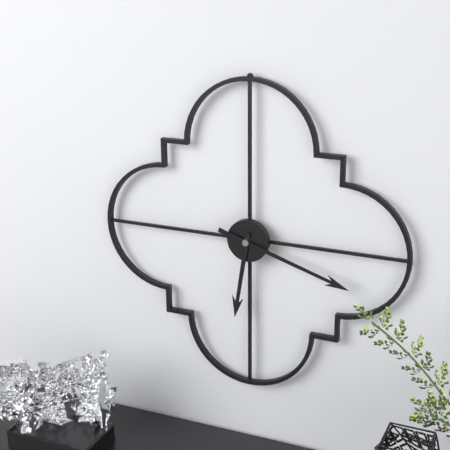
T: 6 h 18 min
